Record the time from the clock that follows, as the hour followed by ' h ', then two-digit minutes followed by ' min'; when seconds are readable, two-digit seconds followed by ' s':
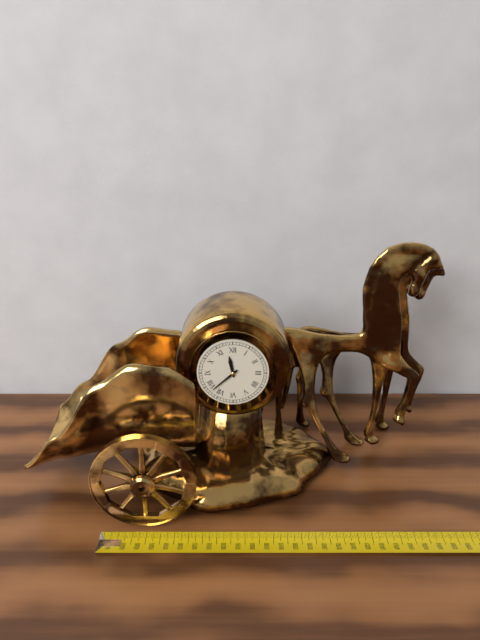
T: 11 h 38 min
